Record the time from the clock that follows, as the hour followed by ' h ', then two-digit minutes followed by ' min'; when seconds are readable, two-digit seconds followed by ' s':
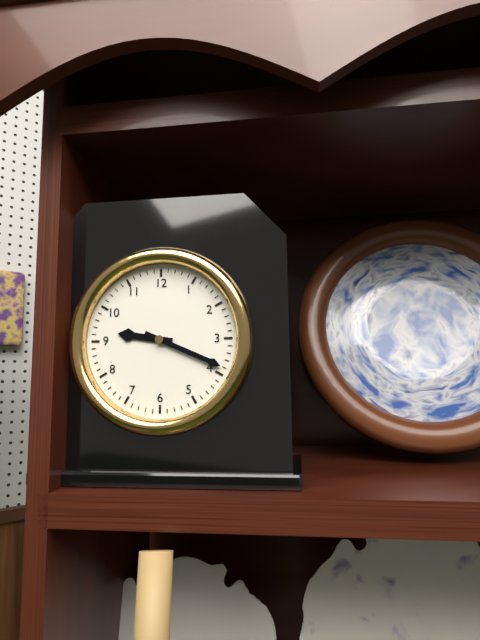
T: 9 h 19 min
